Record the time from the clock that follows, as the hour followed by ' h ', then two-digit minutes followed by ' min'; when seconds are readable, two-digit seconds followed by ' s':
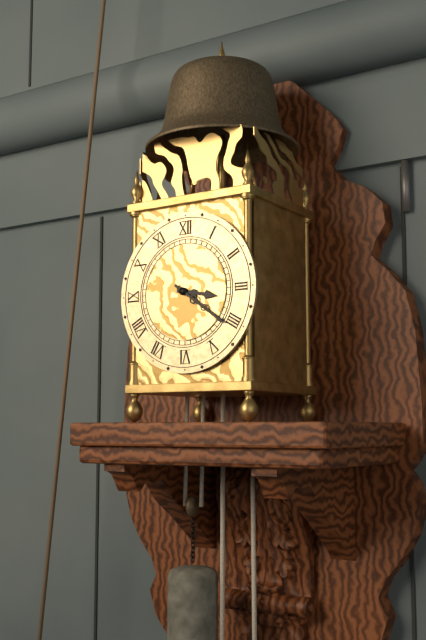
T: 3 h 21 min
